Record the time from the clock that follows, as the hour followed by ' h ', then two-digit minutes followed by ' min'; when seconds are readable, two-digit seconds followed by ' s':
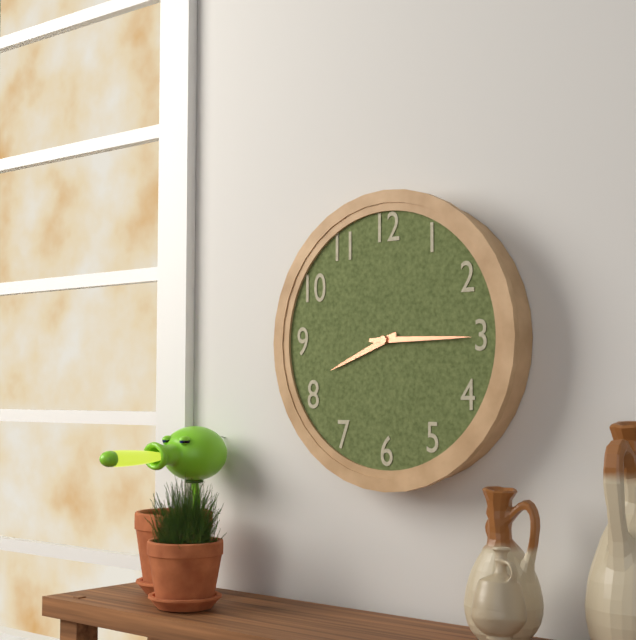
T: 8 h 15 min
